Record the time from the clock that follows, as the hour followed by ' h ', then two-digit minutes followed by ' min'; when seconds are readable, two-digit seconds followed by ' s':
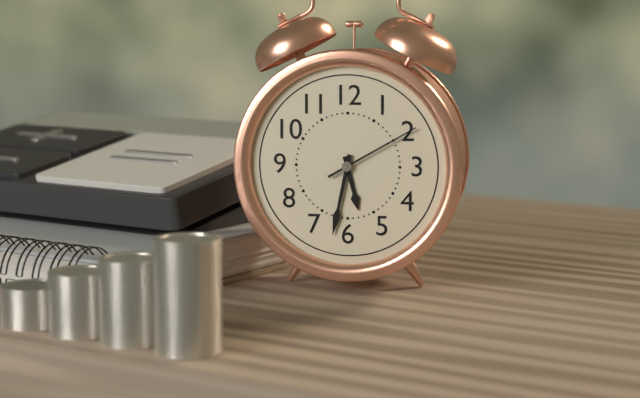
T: 5 h 32 min 10 s
